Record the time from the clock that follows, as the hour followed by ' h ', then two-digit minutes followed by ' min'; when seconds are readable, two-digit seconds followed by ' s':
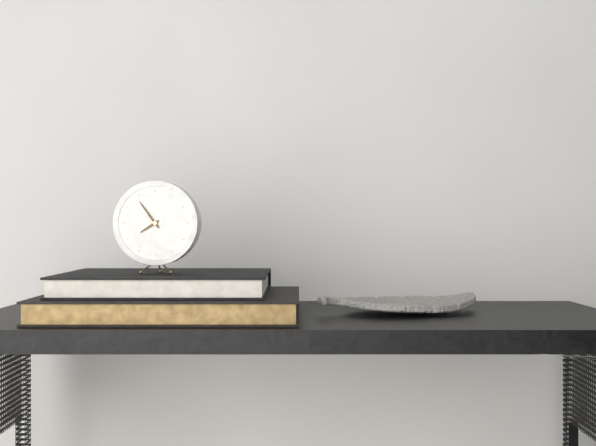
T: 7 h 54 min
